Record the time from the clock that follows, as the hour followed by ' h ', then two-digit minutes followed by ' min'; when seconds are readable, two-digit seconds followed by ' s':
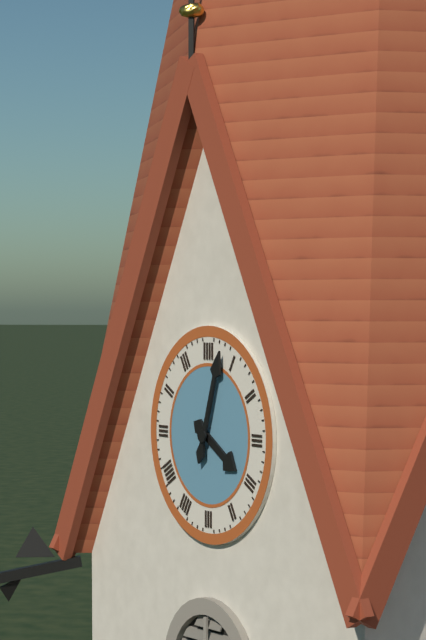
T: 4 h 03 min
